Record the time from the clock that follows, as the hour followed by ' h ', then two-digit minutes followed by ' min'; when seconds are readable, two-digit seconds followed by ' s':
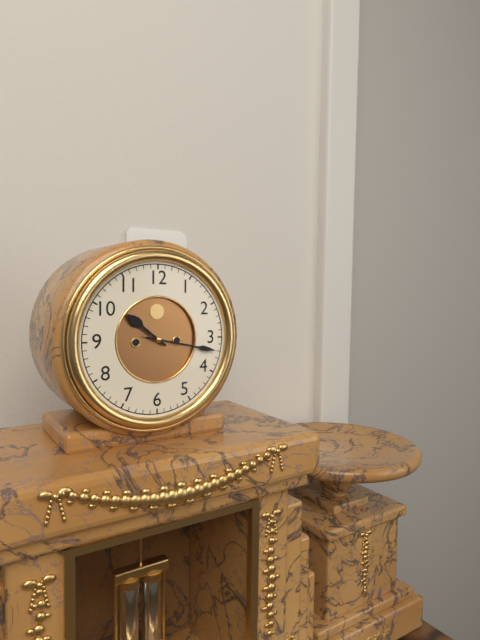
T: 10 h 17 min
